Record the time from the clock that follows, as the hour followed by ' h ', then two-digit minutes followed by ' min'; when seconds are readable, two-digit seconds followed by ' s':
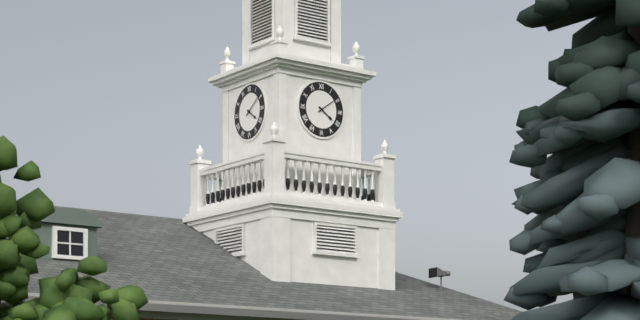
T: 4 h 09 min
